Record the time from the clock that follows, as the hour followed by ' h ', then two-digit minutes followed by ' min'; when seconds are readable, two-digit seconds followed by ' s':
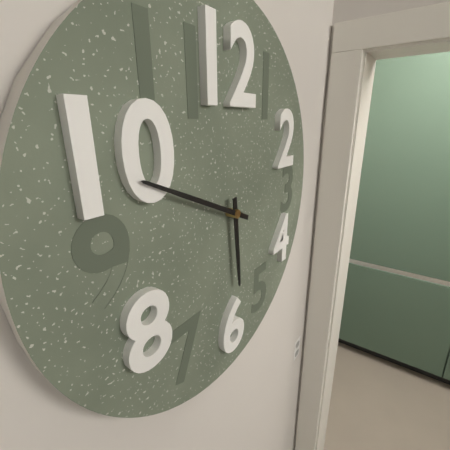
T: 5 h 49 min
